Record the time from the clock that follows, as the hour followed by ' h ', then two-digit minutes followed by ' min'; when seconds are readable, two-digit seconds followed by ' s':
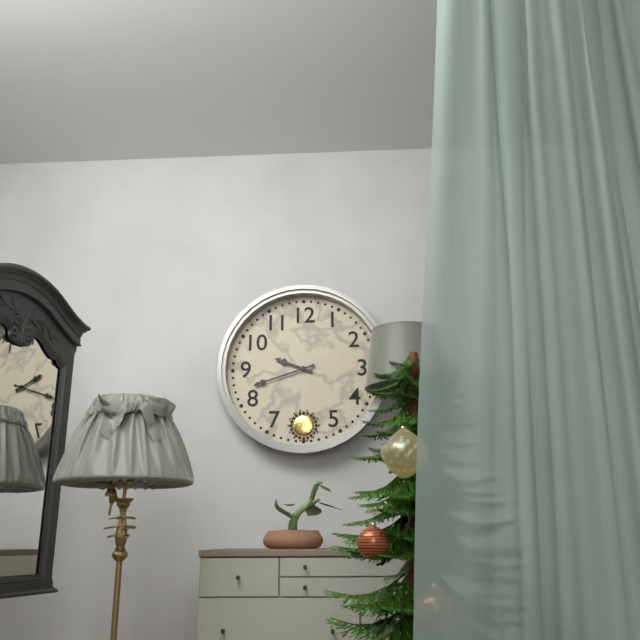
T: 9 h 42 min
